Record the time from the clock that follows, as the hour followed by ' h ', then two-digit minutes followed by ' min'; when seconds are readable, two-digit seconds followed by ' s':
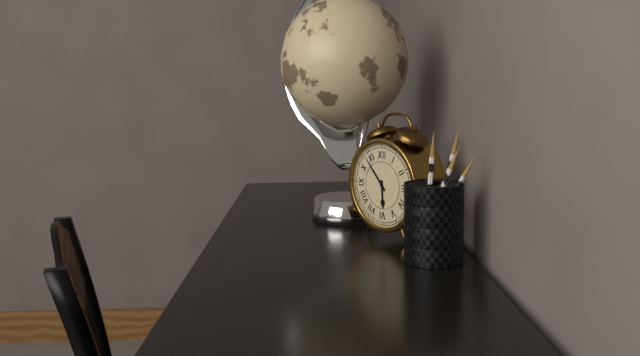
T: 5 h 53 min
